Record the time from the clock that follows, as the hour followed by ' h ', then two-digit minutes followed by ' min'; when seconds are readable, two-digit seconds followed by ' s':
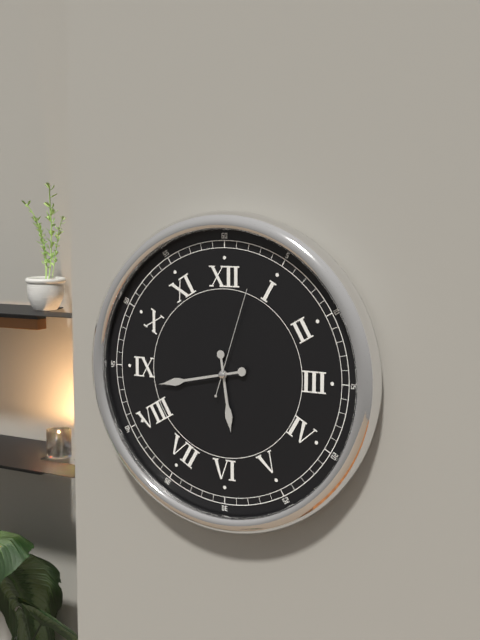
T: 5 h 43 min 03 s
